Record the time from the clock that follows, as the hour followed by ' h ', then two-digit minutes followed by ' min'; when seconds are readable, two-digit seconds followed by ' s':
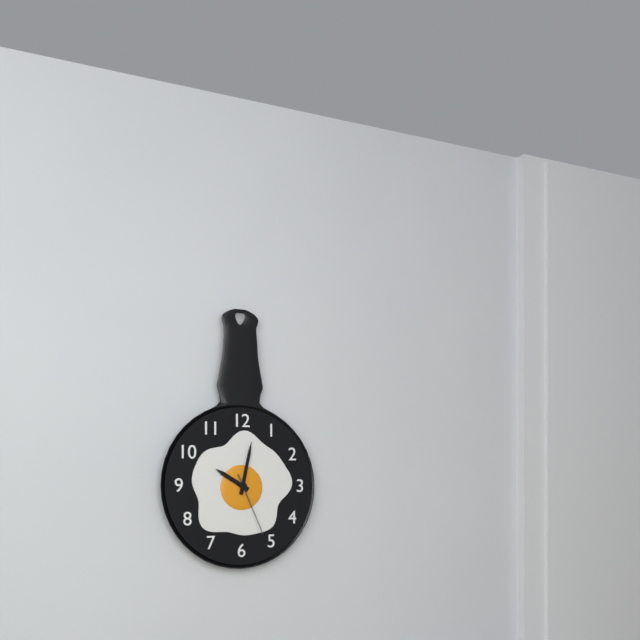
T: 10 h 02 min 26 s
